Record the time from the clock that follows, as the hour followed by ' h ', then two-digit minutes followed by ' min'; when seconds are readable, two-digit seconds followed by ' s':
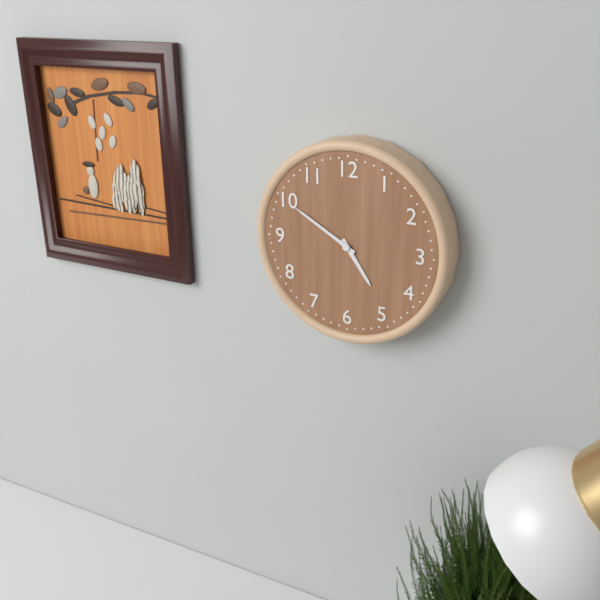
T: 4 h 50 min
